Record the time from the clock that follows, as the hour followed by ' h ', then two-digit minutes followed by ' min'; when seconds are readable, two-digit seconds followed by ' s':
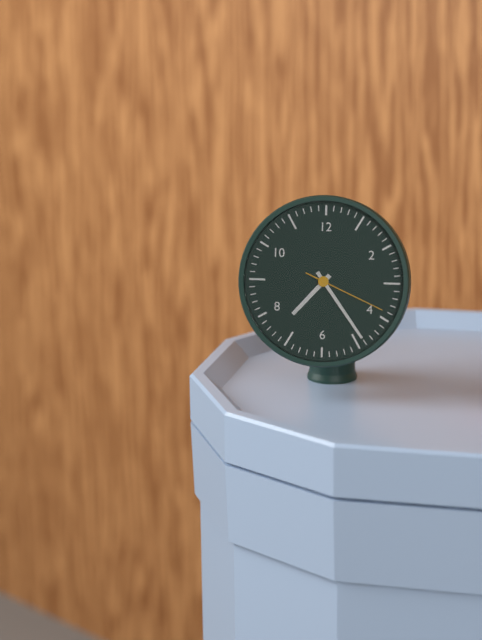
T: 7 h 24 min 19 s
